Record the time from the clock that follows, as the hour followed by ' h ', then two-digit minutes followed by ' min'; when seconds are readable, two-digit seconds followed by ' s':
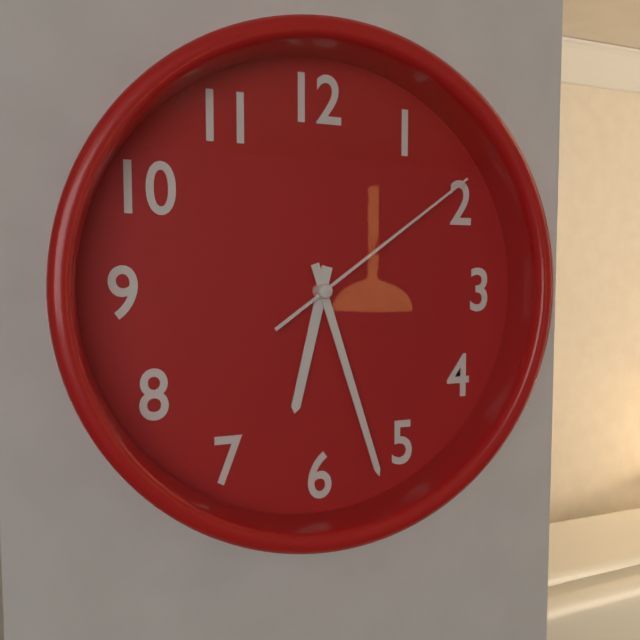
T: 6 h 27 min 09 s
